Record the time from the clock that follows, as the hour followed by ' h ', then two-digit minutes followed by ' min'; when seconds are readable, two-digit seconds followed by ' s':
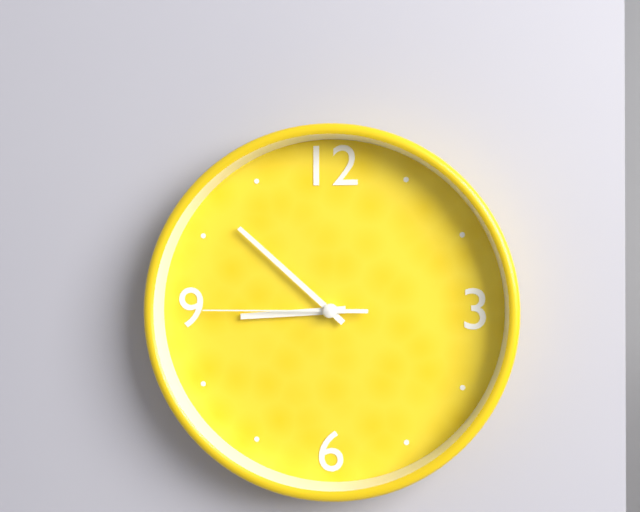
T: 8 h 52 min 45 s
